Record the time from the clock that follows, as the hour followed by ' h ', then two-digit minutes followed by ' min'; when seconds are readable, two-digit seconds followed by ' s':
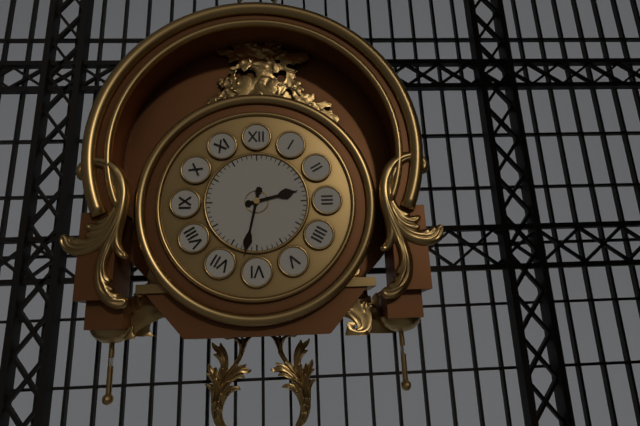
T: 2 h 32 min
